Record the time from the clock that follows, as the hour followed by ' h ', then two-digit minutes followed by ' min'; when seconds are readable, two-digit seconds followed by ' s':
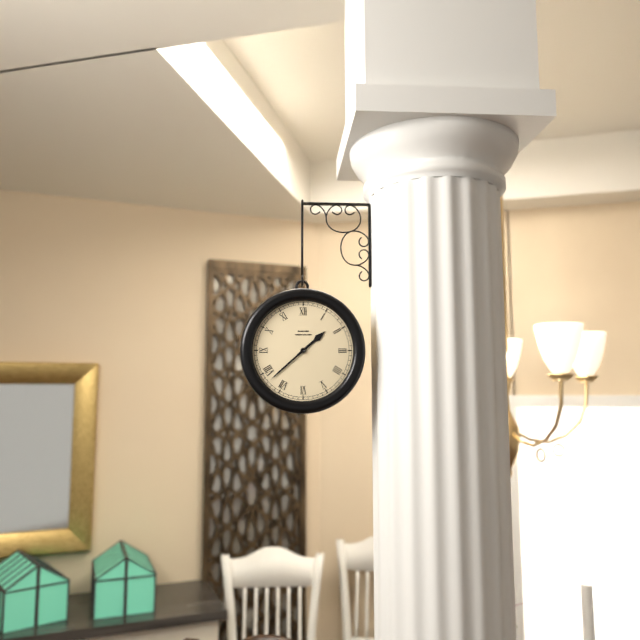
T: 1 h 38 min
